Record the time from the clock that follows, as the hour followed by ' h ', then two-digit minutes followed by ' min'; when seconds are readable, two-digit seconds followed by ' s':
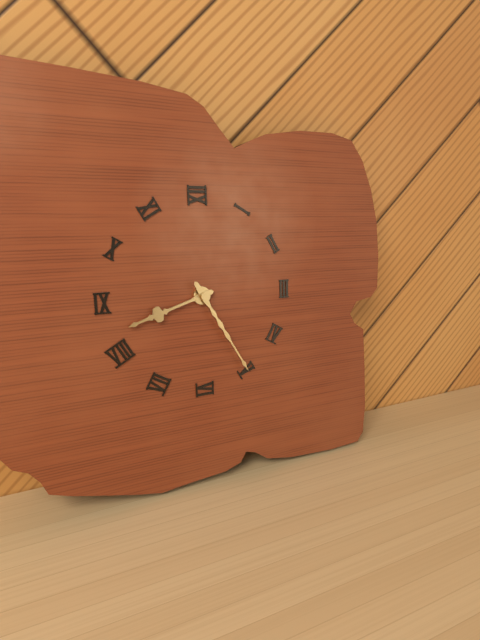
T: 8 h 25 min
